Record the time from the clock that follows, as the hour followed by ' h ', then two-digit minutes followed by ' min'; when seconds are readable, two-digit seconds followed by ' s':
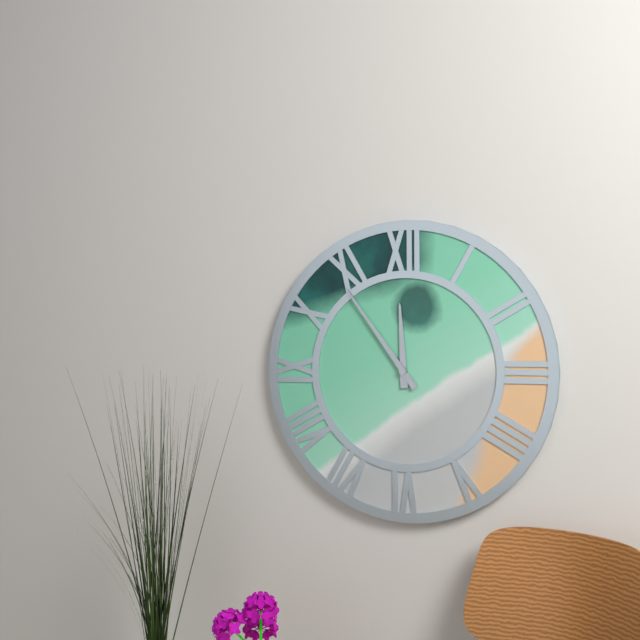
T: 11 h 54 min
